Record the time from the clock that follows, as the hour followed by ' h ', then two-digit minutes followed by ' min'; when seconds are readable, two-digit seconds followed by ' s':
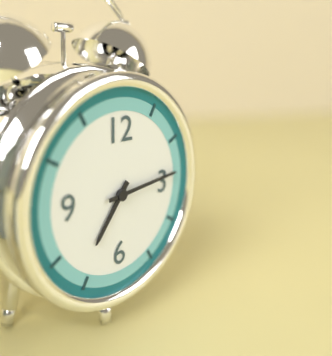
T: 7 h 14 min
